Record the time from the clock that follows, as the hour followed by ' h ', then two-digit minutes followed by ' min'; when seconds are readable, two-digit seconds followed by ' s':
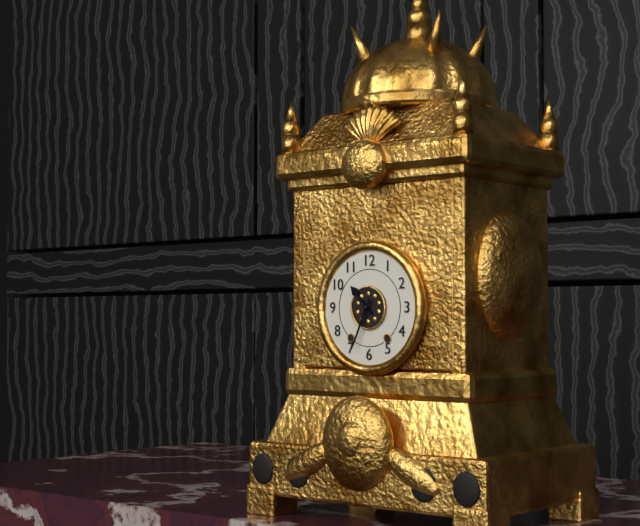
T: 10 h 34 min
